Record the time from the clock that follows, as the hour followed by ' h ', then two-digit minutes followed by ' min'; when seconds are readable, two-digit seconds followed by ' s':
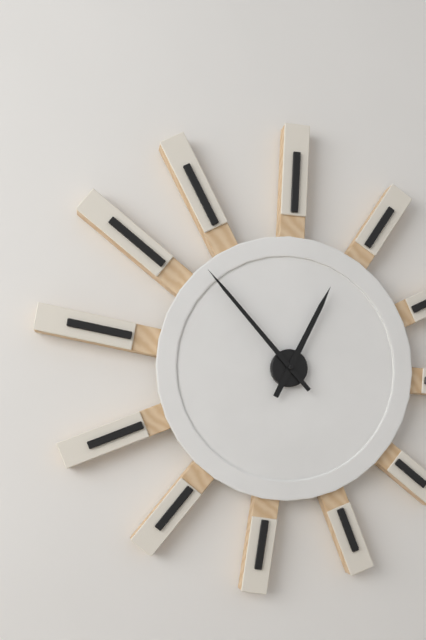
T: 12 h 53 min
